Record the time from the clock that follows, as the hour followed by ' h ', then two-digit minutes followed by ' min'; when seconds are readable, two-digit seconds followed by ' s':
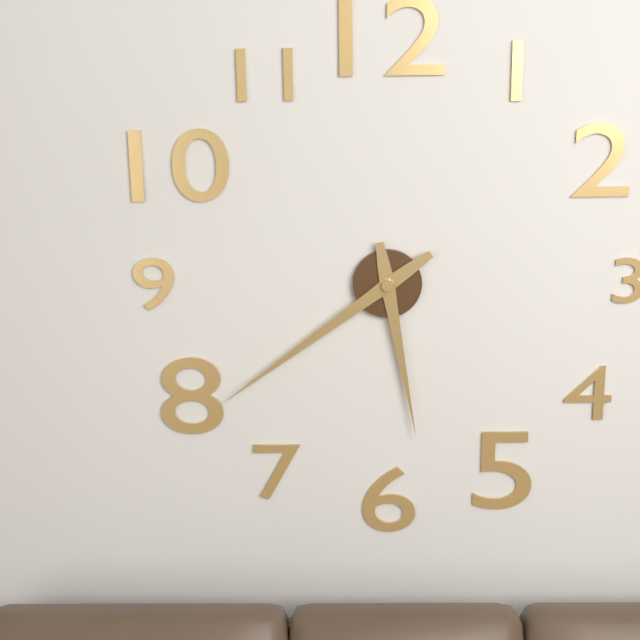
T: 5 h 39 min
